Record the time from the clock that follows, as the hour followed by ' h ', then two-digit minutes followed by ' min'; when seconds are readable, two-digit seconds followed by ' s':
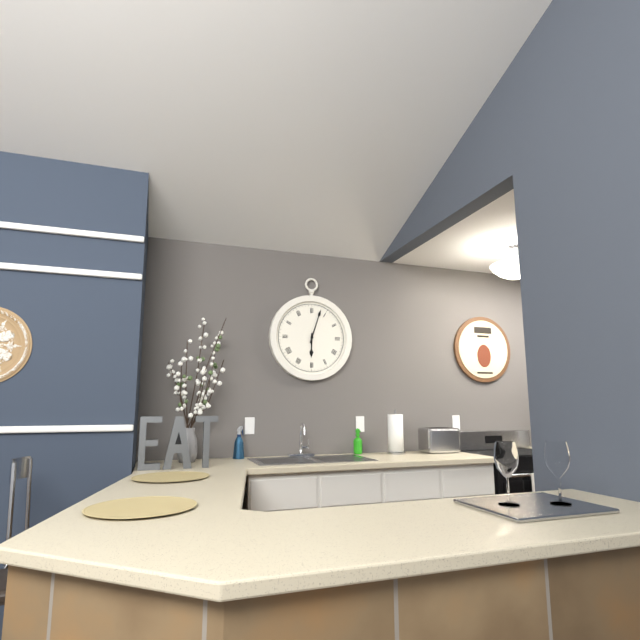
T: 6 h 03 min
